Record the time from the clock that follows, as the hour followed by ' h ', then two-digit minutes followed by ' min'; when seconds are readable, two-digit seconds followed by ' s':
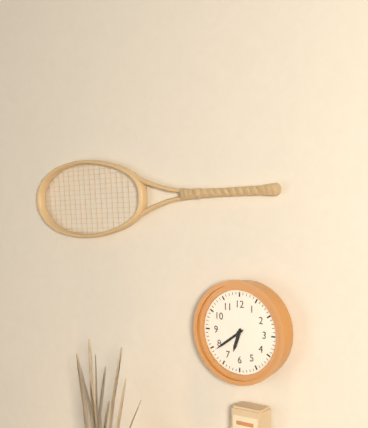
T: 6 h 39 min
